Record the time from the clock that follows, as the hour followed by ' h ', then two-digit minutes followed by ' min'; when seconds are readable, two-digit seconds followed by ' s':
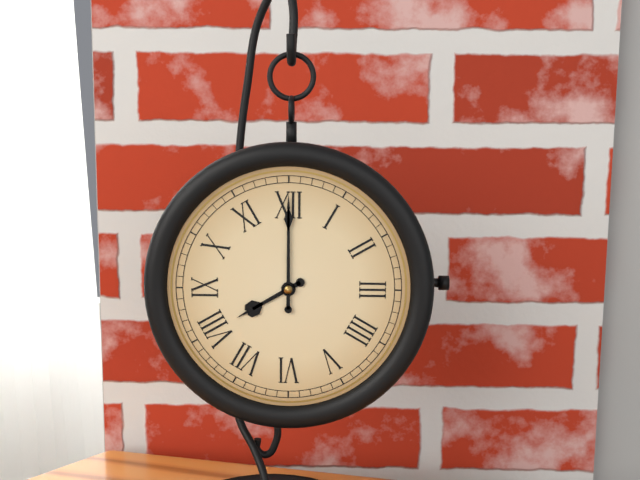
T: 8 h 00 min
